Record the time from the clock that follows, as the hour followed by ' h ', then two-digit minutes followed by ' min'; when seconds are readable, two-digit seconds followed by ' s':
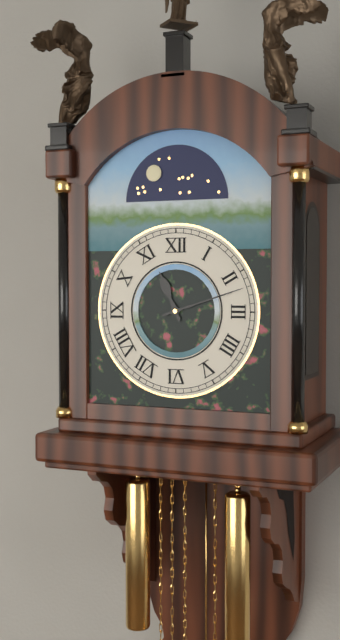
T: 11 h 12 min
